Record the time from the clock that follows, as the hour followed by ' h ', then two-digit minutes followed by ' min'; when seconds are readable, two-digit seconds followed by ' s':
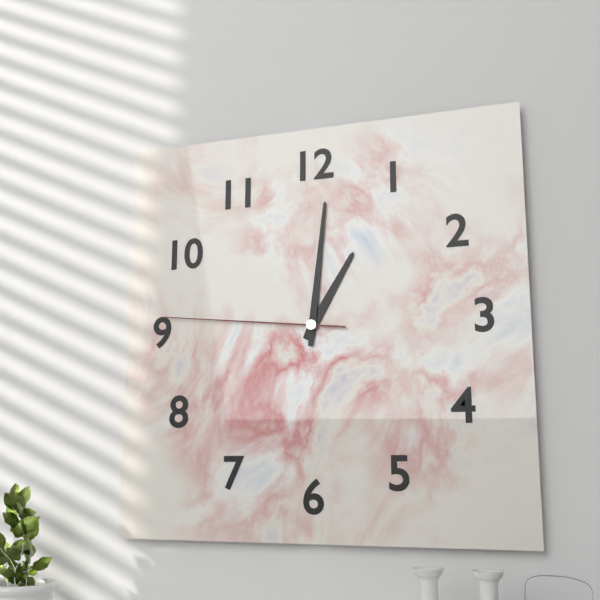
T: 1 h 01 min 46 s
